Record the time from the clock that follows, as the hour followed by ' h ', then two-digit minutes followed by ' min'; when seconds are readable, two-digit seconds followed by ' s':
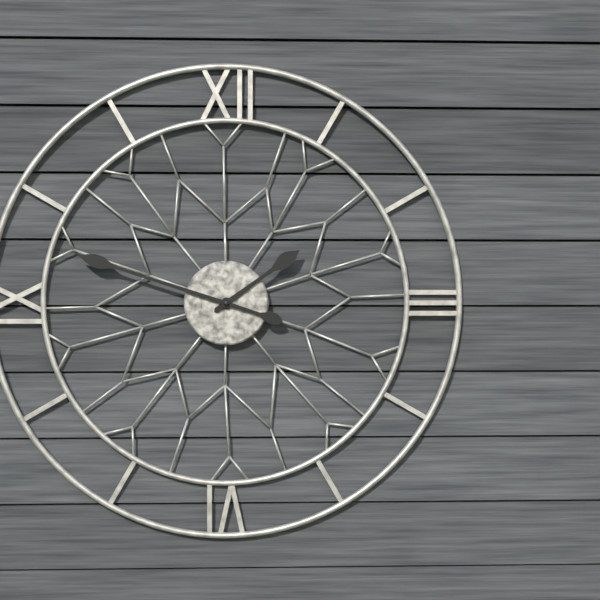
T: 1 h 48 min
